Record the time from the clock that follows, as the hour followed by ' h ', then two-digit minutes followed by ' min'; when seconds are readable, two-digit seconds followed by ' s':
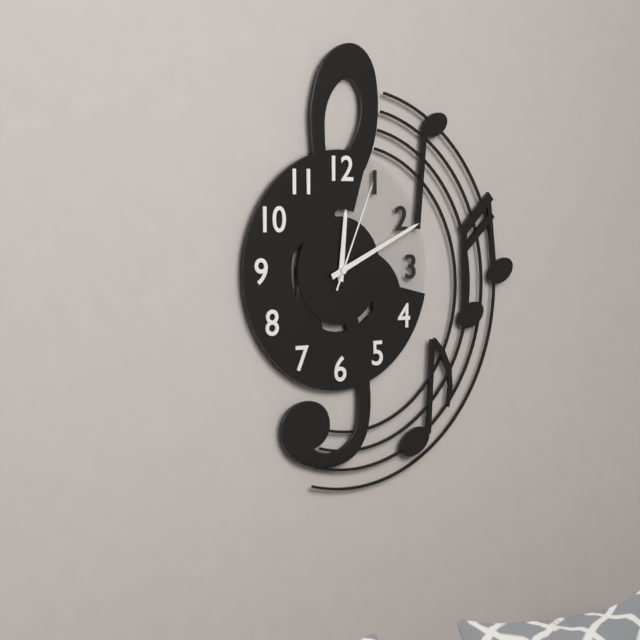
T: 12 h 11 min 04 s
